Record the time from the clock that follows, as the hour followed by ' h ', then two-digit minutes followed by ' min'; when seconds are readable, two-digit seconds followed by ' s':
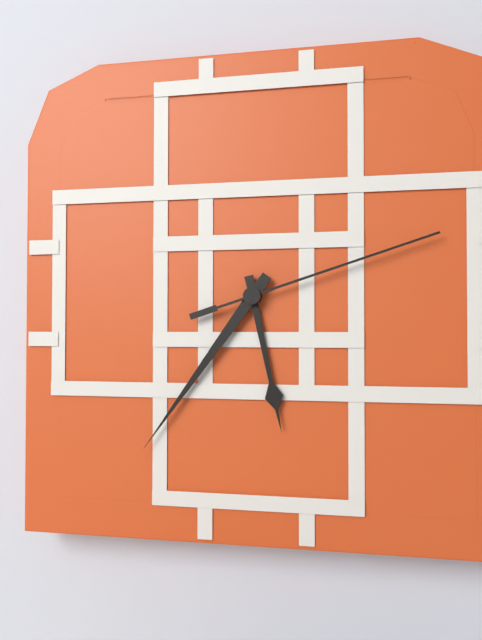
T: 5 h 36 min 12 s
